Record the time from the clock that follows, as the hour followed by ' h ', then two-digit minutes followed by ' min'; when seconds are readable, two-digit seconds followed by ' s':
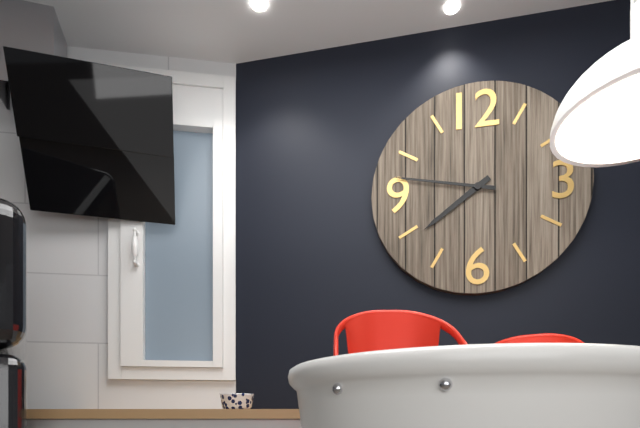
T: 7 h 47 min
